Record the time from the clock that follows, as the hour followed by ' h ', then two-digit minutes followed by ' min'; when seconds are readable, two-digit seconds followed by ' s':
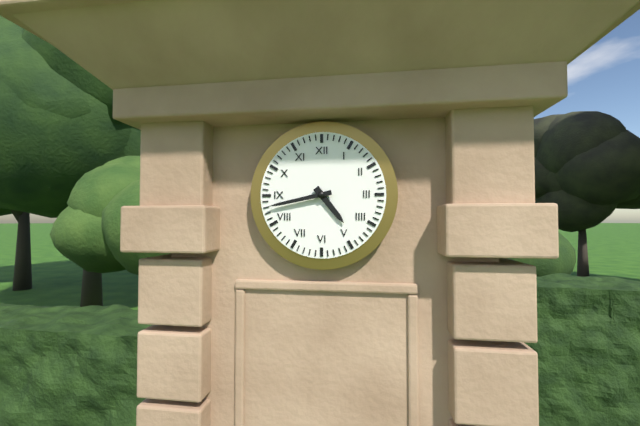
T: 4 h 43 min
